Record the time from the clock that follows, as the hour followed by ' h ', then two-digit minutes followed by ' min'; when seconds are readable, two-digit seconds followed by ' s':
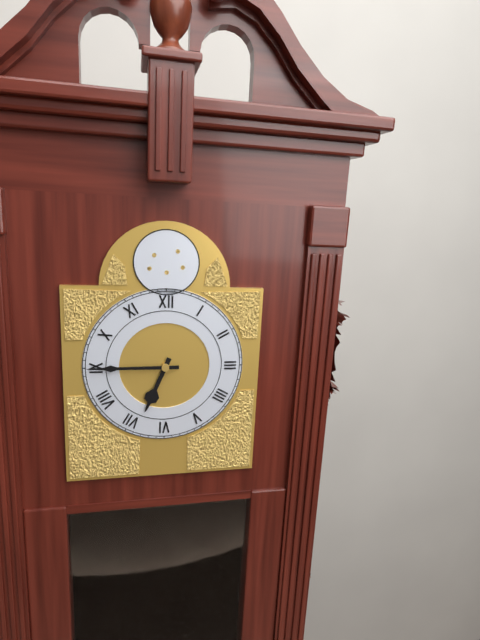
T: 6 h 45 min
